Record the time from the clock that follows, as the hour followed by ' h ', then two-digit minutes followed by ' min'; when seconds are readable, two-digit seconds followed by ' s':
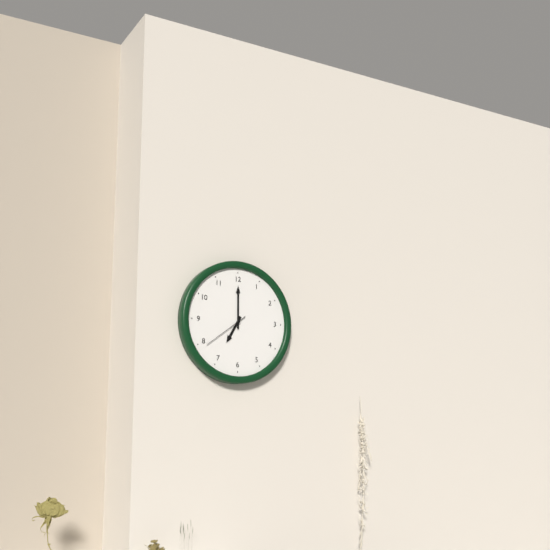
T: 7 h 00 min
